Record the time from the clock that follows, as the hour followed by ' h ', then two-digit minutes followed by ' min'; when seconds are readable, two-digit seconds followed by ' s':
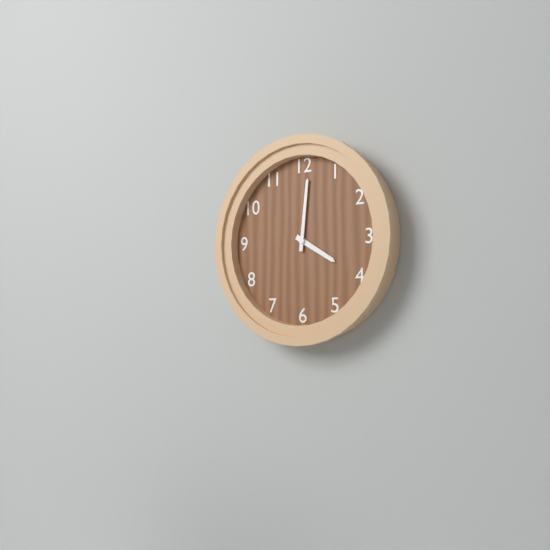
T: 4 h 01 min
